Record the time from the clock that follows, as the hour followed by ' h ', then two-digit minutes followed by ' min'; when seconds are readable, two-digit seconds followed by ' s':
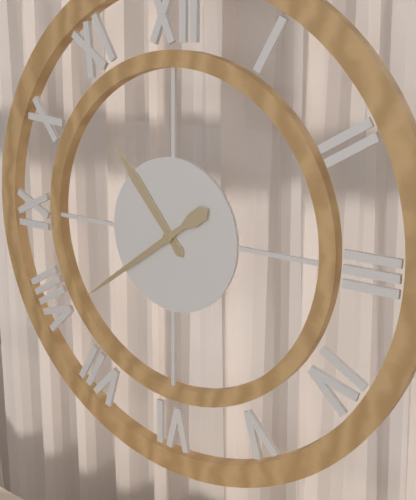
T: 10 h 39 min
